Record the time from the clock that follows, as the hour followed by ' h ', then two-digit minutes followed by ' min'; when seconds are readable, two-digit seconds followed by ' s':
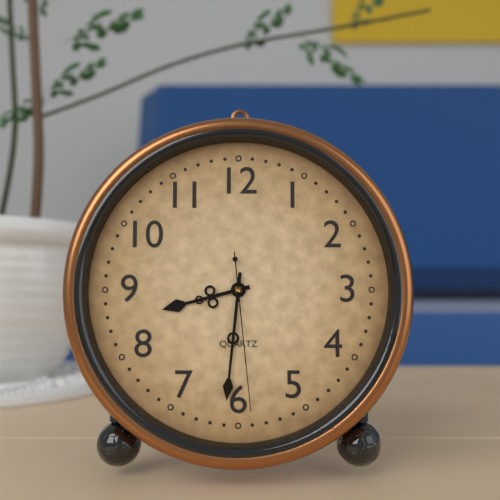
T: 8 h 31 min 29 s
